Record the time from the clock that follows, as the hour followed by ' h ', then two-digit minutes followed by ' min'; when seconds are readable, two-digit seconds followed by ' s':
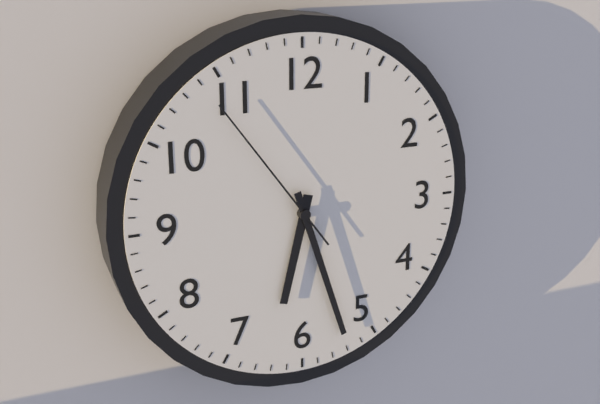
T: 6 h 27 min 54 s
